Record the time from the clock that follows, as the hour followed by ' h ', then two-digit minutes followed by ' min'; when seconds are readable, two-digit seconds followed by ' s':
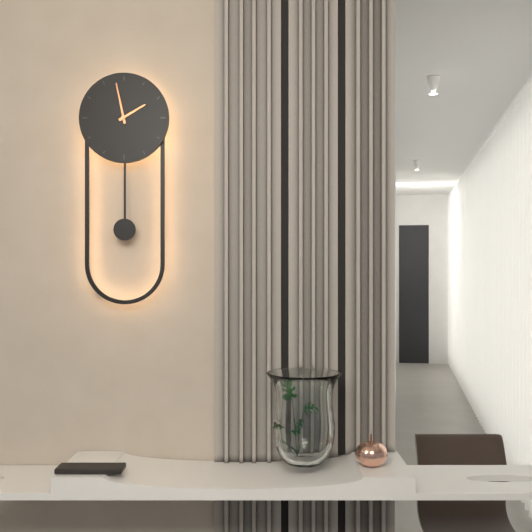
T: 1 h 58 min
